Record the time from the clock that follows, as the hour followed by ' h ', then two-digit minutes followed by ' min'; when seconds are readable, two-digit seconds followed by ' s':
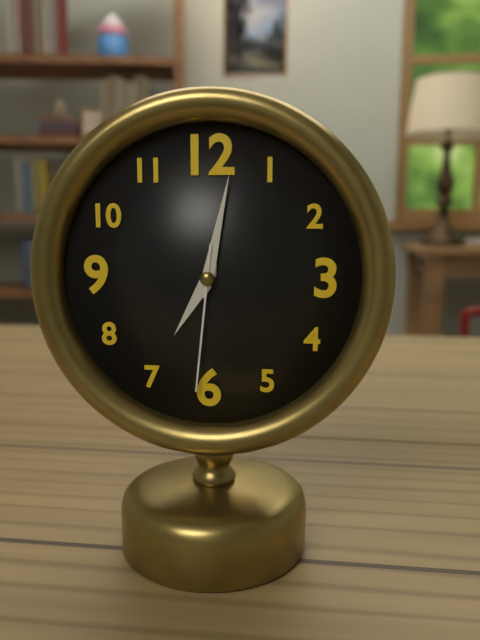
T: 7 h 02 min 31 s
